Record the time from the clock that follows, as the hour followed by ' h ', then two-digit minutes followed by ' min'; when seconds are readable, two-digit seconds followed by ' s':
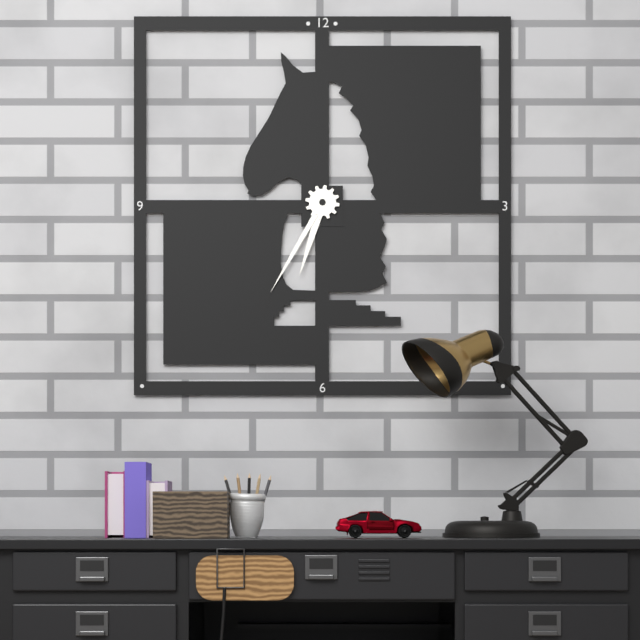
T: 6 h 35 min
